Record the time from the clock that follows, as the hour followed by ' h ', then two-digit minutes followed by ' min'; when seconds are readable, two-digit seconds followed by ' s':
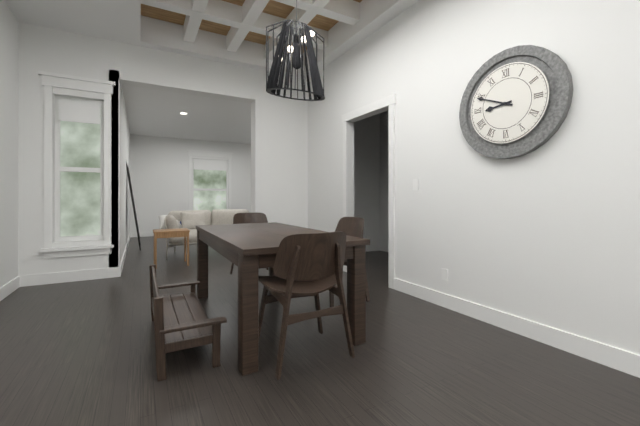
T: 8 h 49 min
